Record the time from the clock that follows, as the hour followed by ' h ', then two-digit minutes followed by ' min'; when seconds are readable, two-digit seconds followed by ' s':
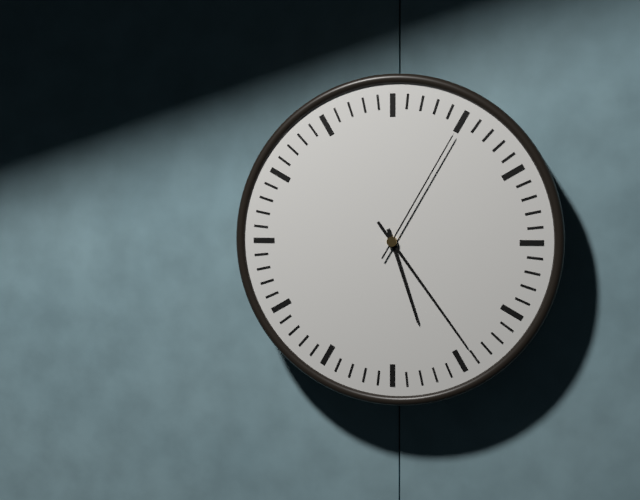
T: 5 h 24 min 05 s
